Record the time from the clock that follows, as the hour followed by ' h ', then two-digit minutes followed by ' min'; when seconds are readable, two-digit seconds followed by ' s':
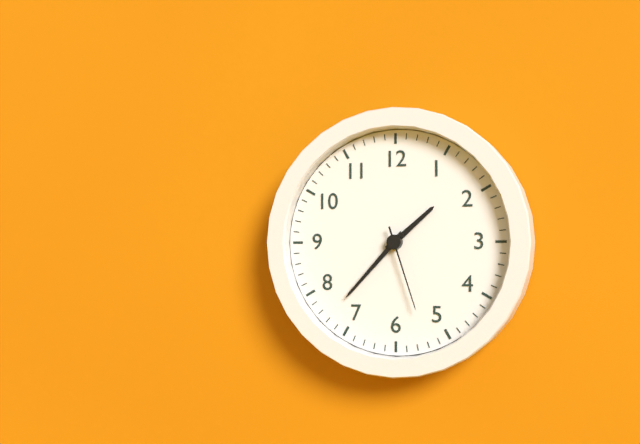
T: 1 h 37 min 27 s
